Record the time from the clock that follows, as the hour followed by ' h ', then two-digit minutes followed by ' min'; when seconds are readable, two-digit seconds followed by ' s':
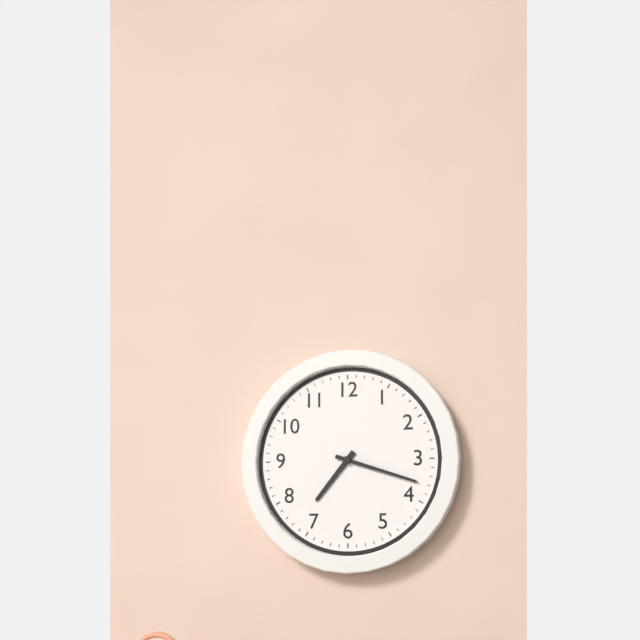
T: 7 h 18 min
